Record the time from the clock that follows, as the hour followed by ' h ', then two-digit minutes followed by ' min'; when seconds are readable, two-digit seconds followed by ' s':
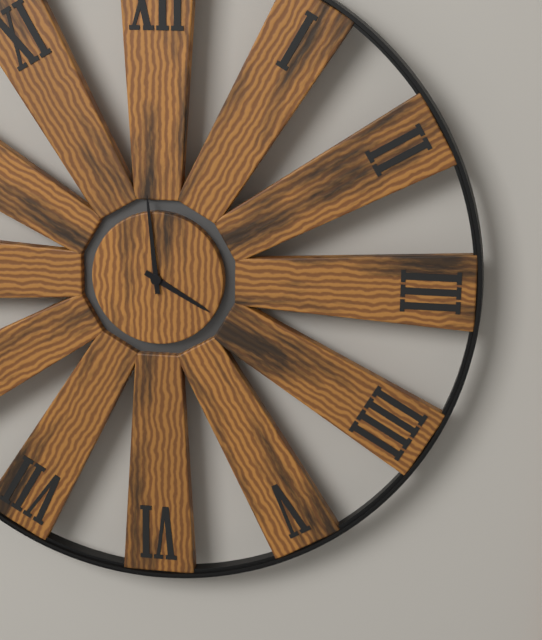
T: 3 h 59 min
